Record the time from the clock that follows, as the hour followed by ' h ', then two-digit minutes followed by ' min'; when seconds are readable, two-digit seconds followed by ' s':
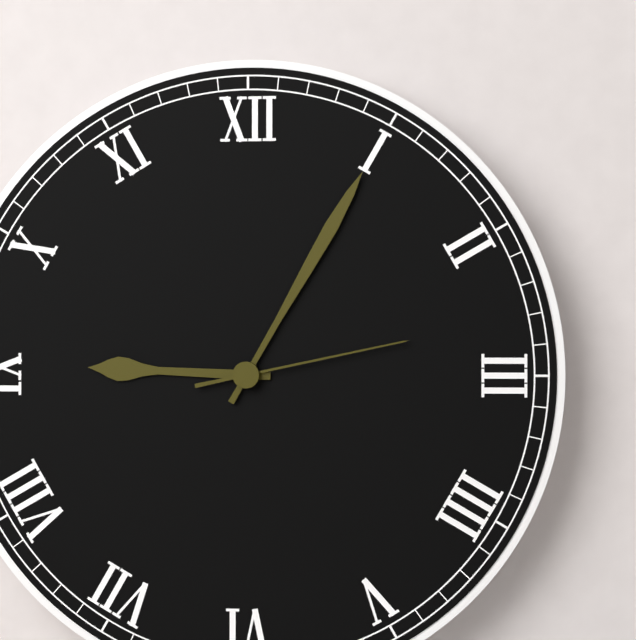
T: 9 h 05 min 13 s
